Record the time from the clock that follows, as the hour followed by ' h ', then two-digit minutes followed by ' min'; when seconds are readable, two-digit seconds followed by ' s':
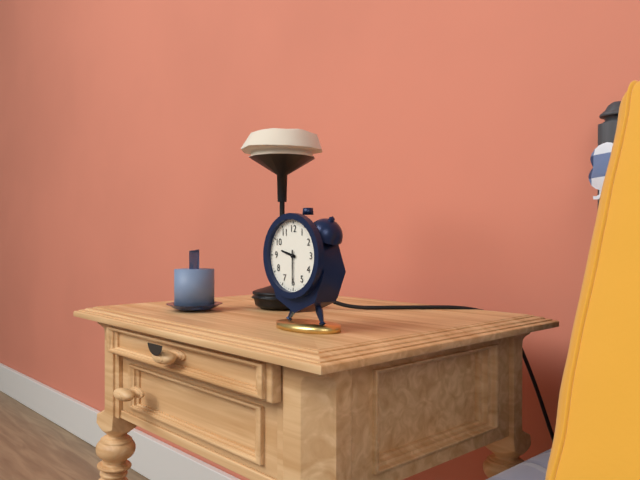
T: 9 h 30 min
